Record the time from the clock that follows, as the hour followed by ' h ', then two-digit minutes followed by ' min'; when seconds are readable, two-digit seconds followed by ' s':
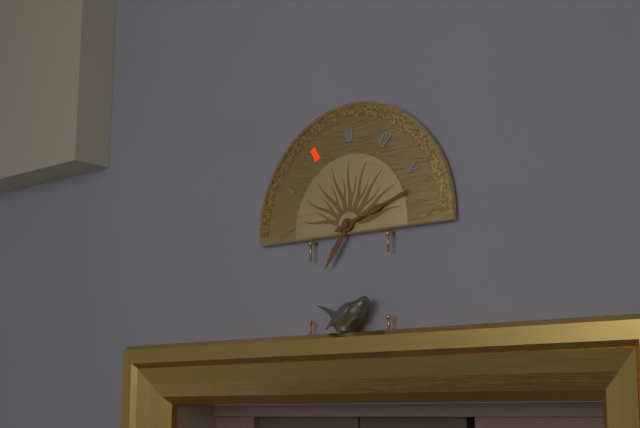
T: 7 h 12 min
